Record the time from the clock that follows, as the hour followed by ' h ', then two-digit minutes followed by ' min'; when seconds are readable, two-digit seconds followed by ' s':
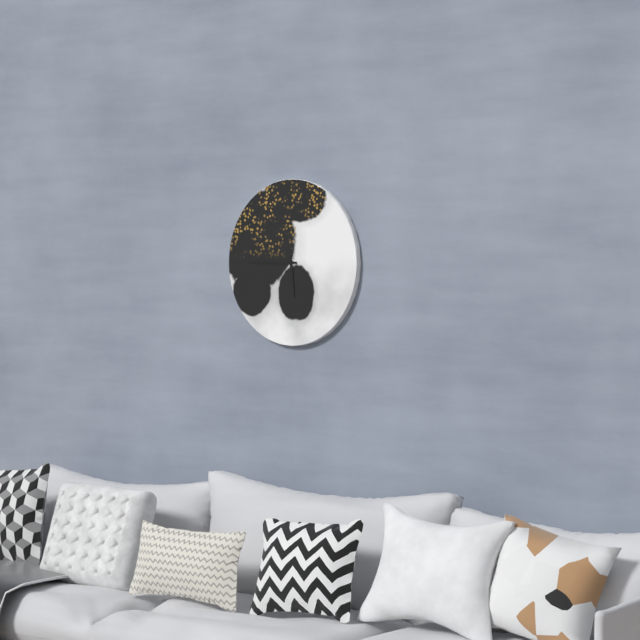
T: 5 h 45 min
